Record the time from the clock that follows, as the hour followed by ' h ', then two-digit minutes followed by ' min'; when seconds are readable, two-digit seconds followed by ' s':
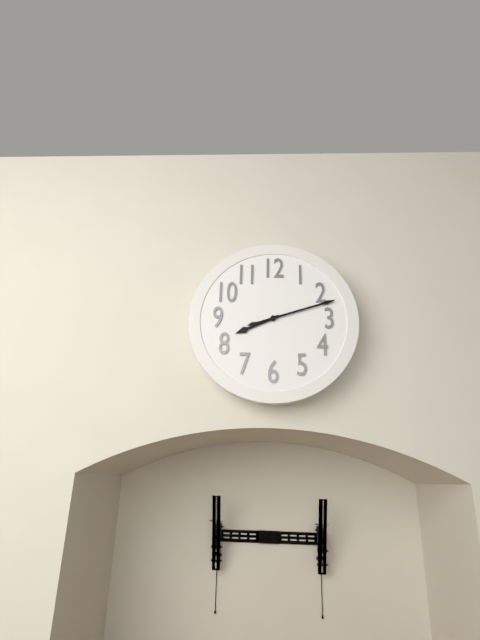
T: 8 h 12 min
